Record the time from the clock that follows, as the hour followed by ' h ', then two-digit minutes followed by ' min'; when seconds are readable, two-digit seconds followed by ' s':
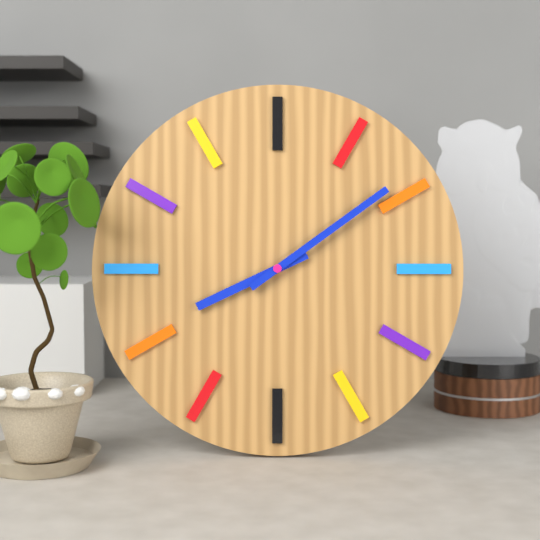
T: 8 h 09 min
